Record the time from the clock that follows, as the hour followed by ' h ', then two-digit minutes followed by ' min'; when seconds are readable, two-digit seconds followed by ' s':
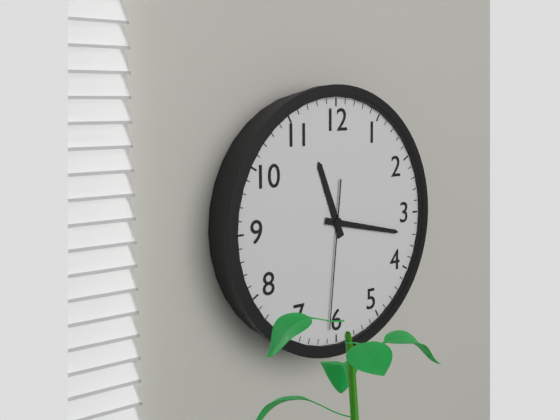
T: 11 h 17 min 31 s
